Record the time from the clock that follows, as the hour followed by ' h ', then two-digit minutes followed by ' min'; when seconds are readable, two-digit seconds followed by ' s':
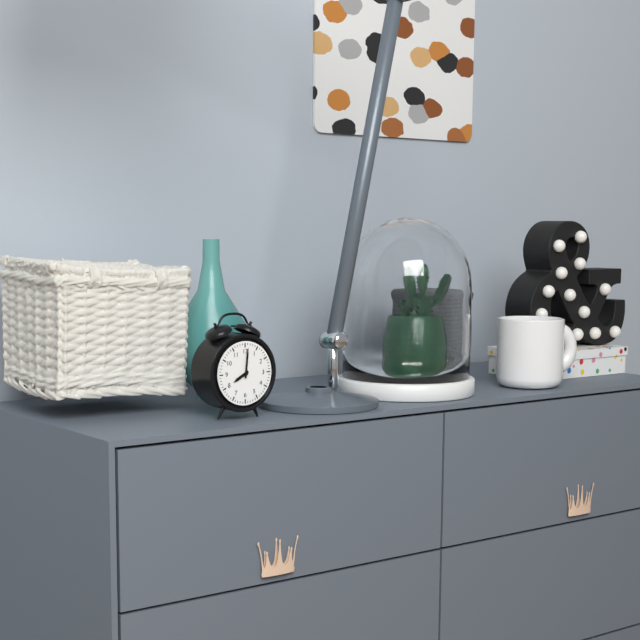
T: 8 h 01 min
